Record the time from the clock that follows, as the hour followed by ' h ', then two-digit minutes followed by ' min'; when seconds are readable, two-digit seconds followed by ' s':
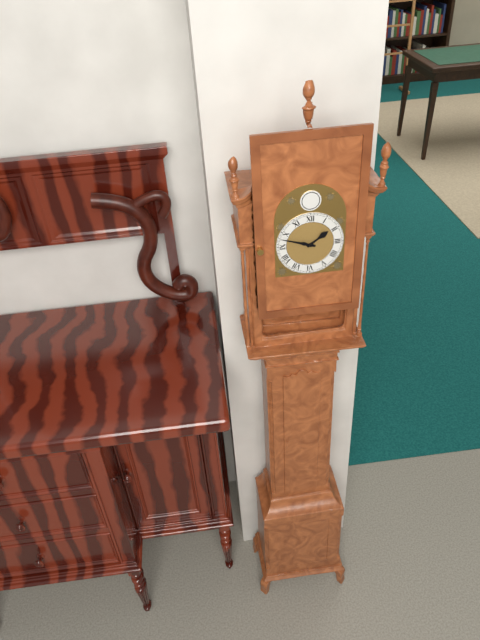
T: 1 h 48 min
